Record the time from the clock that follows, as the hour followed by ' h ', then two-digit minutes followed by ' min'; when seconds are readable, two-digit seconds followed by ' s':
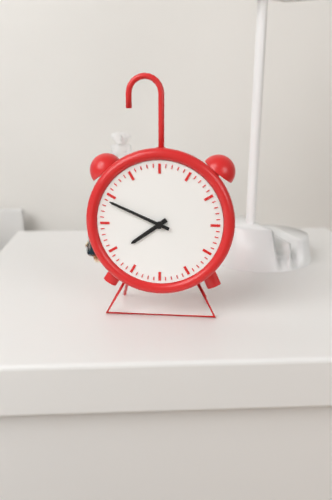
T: 7 h 49 min
